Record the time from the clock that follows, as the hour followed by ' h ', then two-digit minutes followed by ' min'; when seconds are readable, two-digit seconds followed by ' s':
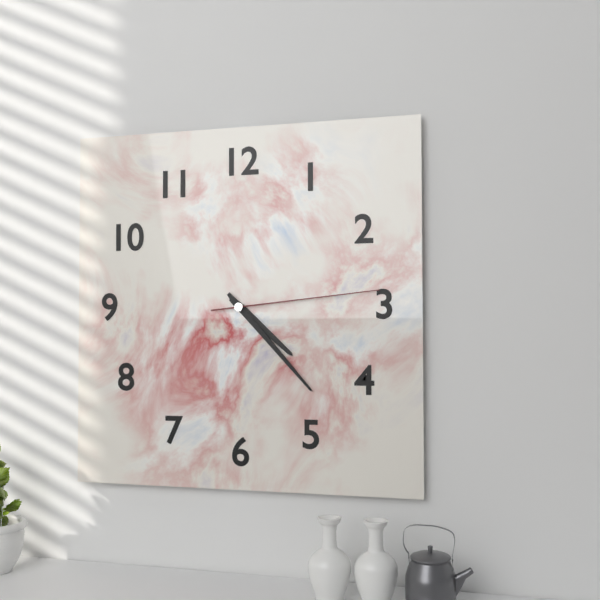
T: 4 h 23 min 14 s
